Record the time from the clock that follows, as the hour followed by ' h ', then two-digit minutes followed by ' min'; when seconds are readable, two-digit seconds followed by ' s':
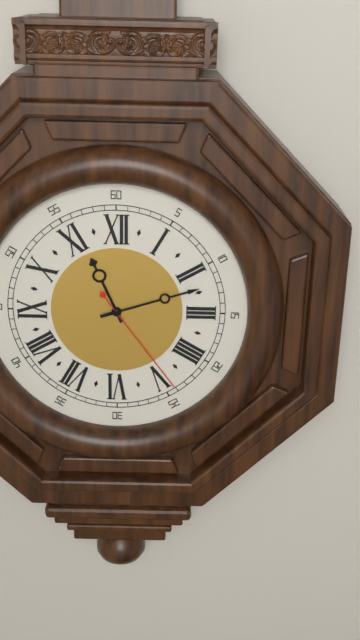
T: 11 h 12 min 24 s
